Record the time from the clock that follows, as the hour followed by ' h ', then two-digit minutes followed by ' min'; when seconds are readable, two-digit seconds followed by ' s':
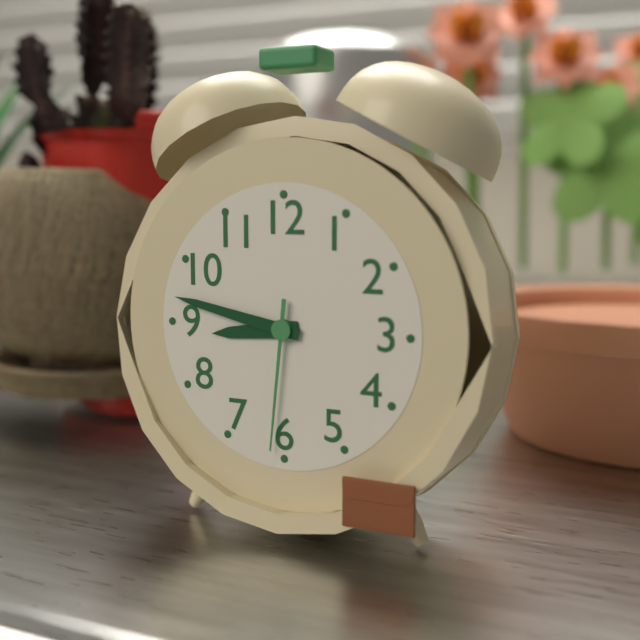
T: 8 h 47 min 31 s
